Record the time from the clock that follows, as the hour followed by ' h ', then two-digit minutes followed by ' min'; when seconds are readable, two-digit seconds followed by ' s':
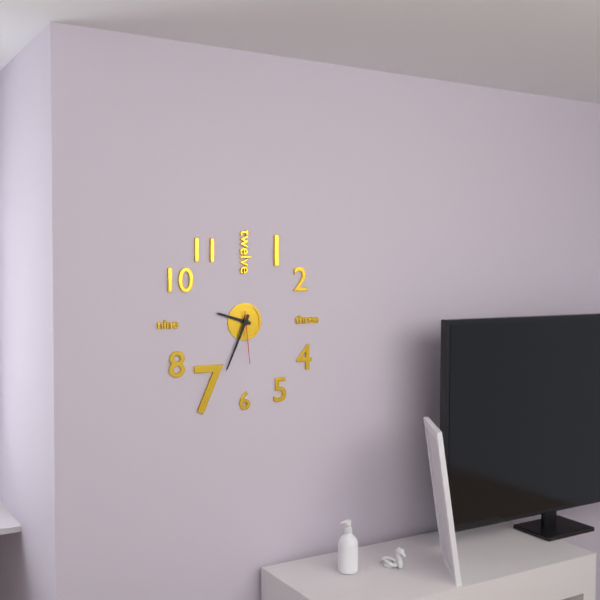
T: 9 h 34 min 29 s
